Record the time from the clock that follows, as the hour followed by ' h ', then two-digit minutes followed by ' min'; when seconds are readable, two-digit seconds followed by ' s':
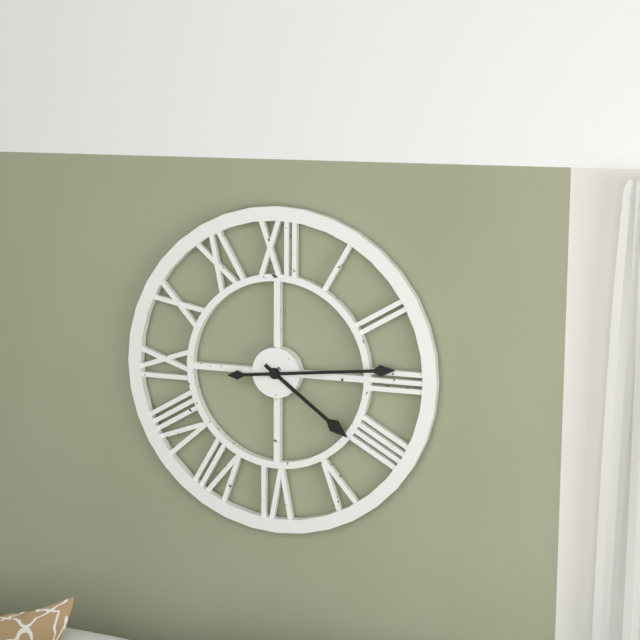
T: 4 h 14 min
